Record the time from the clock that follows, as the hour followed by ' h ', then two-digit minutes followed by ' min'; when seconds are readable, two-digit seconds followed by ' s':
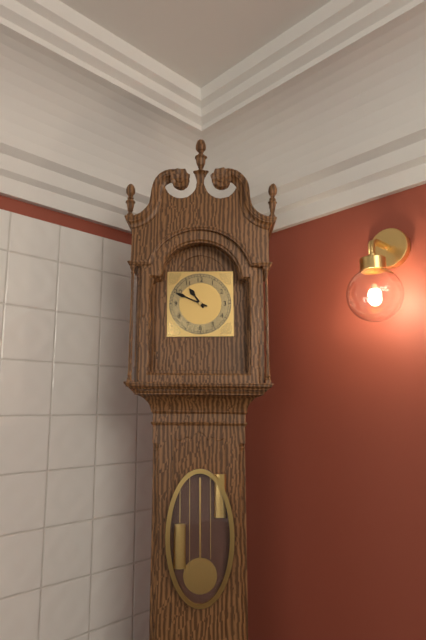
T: 10 h 49 min
